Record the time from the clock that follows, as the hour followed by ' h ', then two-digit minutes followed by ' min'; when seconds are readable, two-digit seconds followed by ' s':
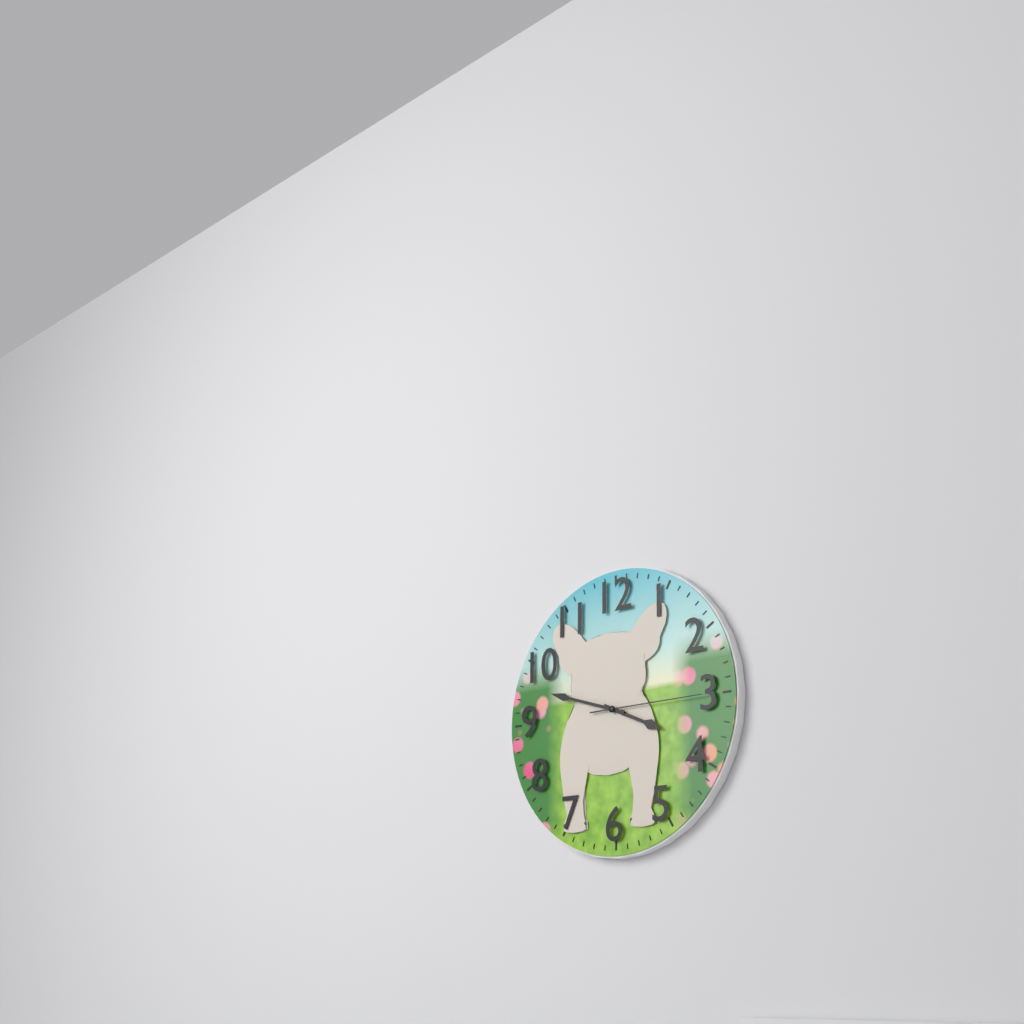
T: 3 h 48 min 15 s
